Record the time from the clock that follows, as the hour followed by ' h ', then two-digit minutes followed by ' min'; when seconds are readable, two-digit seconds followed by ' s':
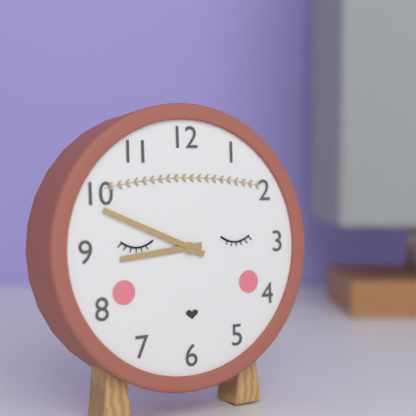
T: 8 h 49 min
